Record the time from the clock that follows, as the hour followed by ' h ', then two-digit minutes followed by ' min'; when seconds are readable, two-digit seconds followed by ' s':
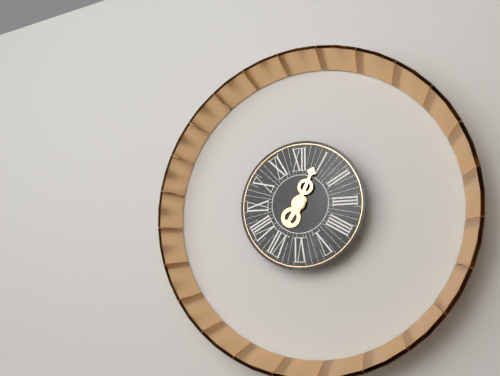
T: 7 h 04 min
